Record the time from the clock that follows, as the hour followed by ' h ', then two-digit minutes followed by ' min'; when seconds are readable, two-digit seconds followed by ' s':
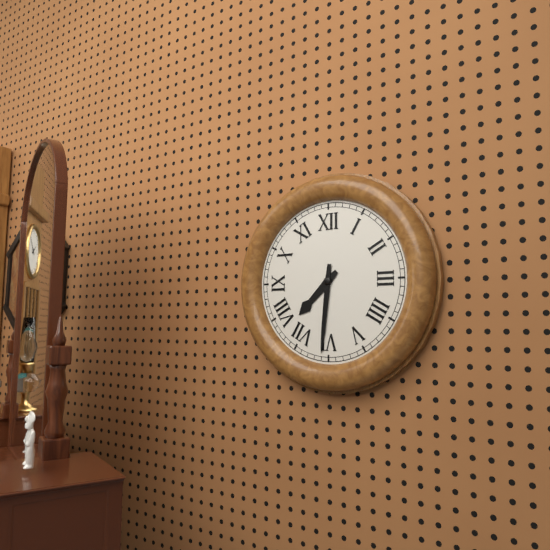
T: 7 h 31 min
